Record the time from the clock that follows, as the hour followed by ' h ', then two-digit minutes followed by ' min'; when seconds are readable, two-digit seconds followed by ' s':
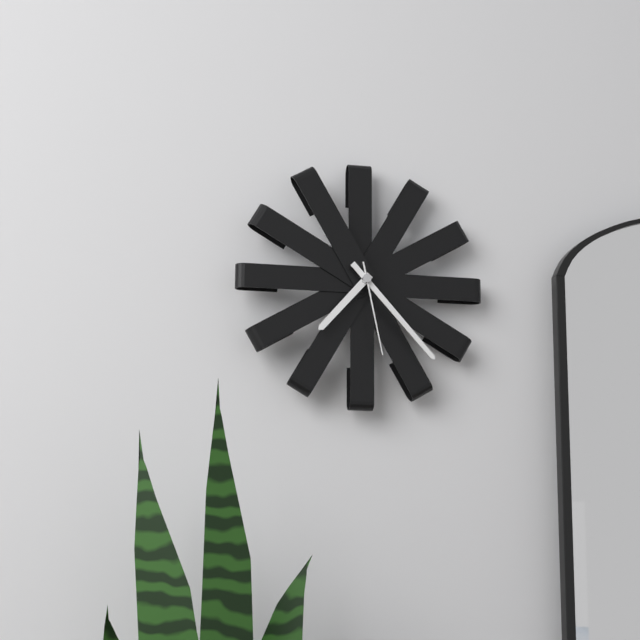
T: 7 h 23 min 28 s
